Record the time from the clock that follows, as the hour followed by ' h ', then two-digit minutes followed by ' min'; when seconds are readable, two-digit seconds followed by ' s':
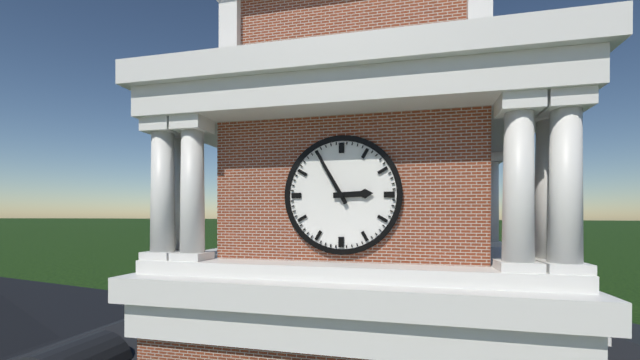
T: 2 h 55 min
